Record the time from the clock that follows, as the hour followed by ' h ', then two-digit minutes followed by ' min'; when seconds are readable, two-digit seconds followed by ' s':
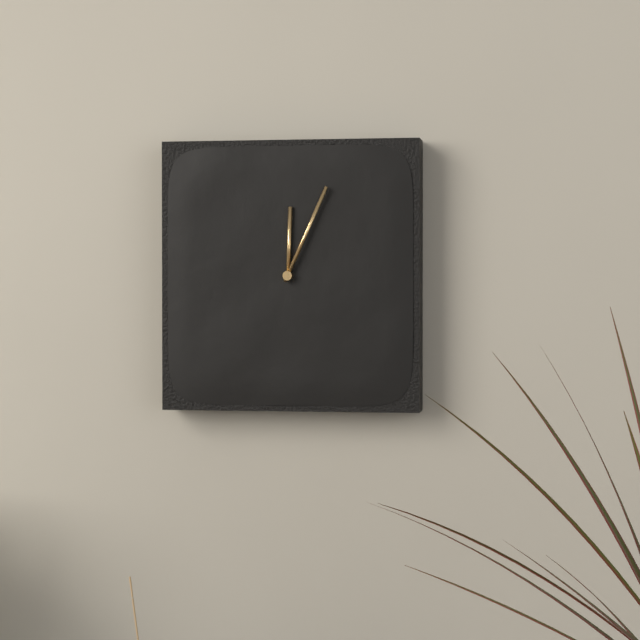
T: 12 h 04 min
